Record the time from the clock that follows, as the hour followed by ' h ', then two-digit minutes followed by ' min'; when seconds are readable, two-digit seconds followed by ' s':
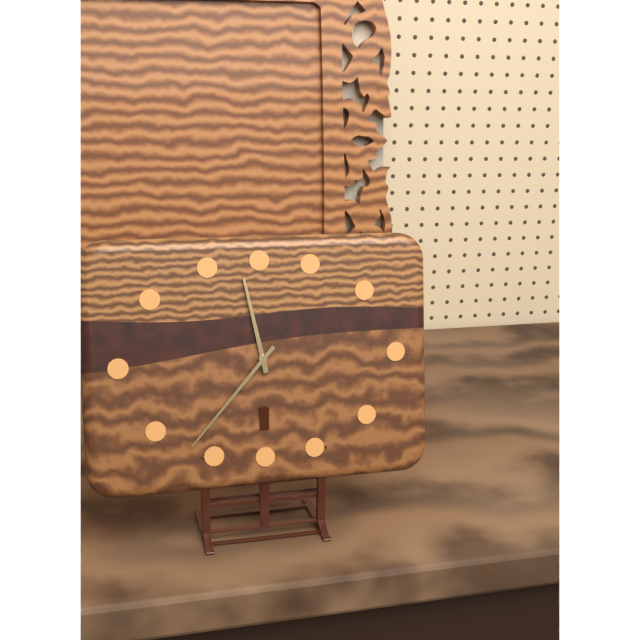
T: 11 h 37 min
